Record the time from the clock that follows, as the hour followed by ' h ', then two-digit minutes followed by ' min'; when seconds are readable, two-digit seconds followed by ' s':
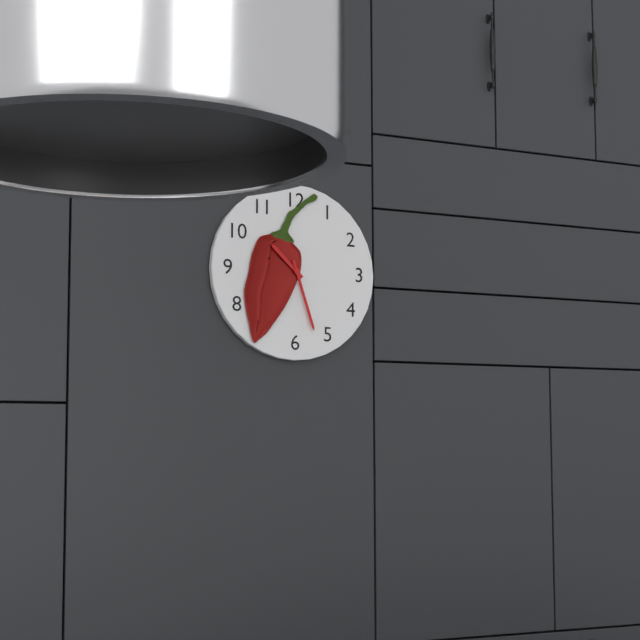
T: 10 h 27 min
